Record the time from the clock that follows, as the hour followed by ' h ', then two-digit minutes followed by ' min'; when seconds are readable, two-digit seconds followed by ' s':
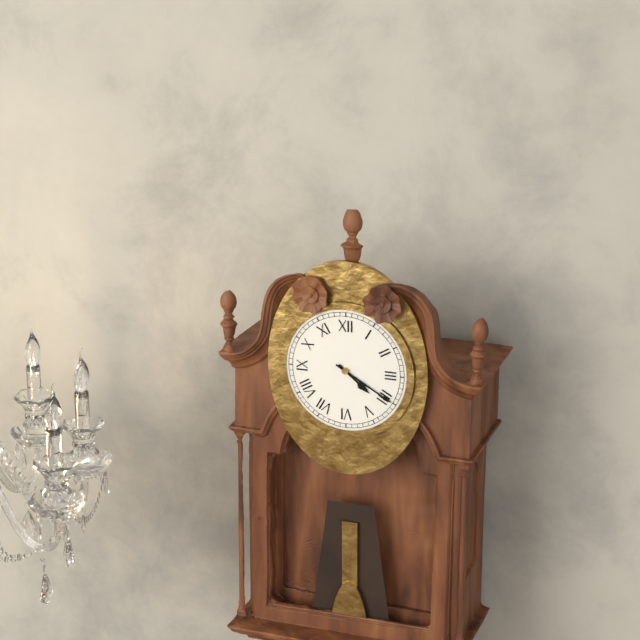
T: 4 h 20 min
